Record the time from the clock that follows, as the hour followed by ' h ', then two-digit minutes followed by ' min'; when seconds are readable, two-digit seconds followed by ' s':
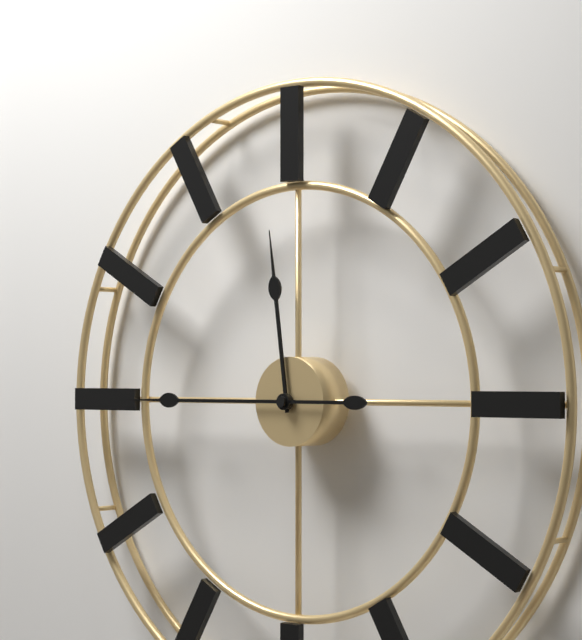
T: 11 h 45 min
